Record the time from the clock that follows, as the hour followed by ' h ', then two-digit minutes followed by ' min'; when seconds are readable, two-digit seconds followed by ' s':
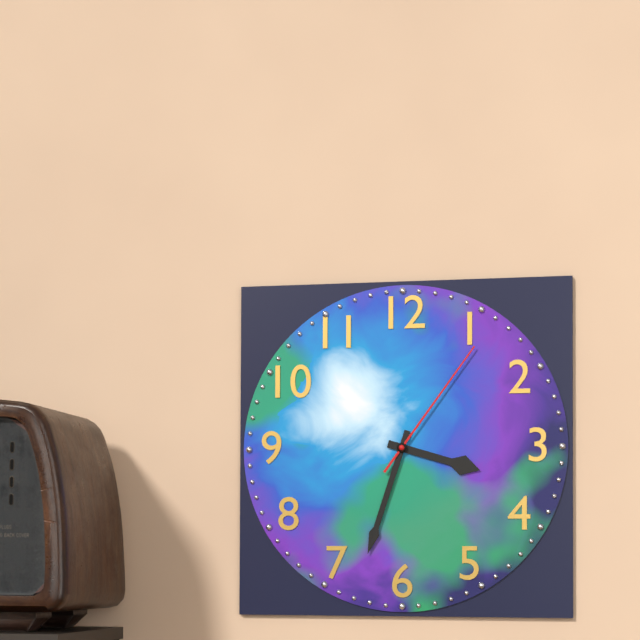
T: 3 h 33 min 06 s
